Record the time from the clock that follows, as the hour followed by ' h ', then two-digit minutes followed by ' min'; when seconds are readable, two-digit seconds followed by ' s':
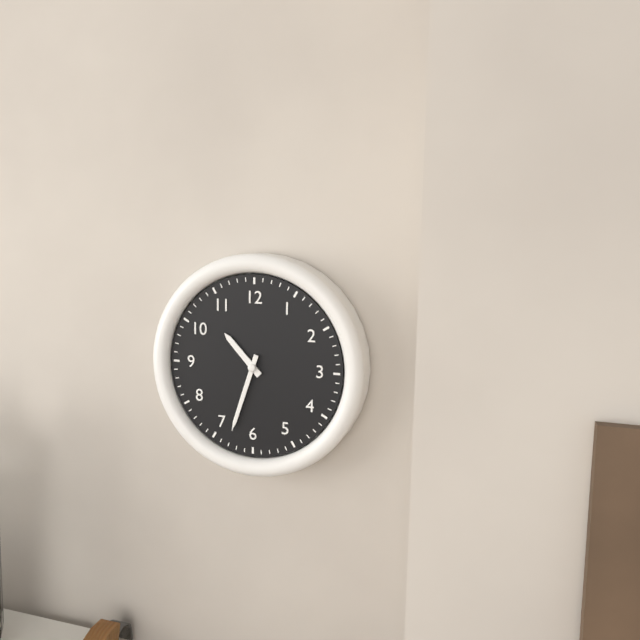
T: 10 h 33 min
